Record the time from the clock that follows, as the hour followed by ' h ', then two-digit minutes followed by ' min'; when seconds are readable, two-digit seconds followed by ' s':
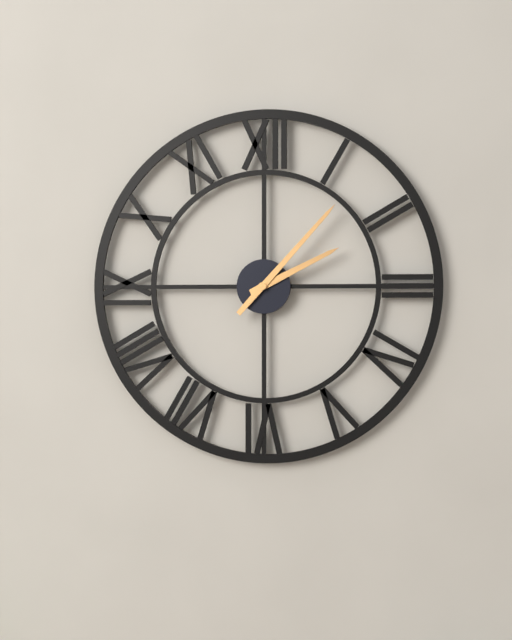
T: 2 h 07 min
